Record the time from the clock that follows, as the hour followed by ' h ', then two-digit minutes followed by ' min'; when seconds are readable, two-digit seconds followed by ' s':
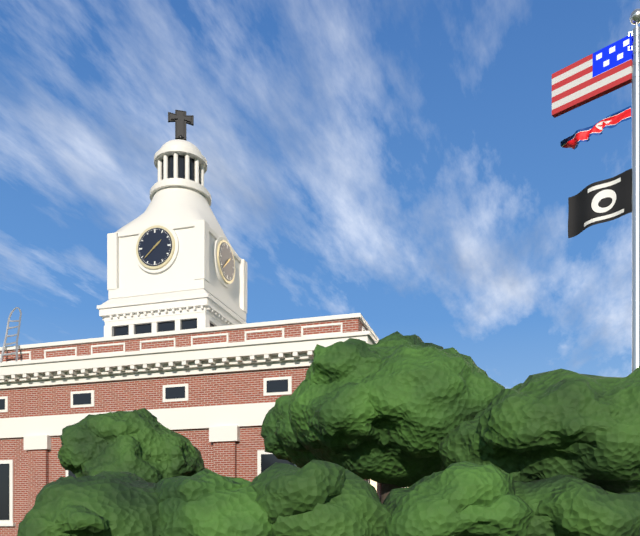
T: 1 h 38 min
